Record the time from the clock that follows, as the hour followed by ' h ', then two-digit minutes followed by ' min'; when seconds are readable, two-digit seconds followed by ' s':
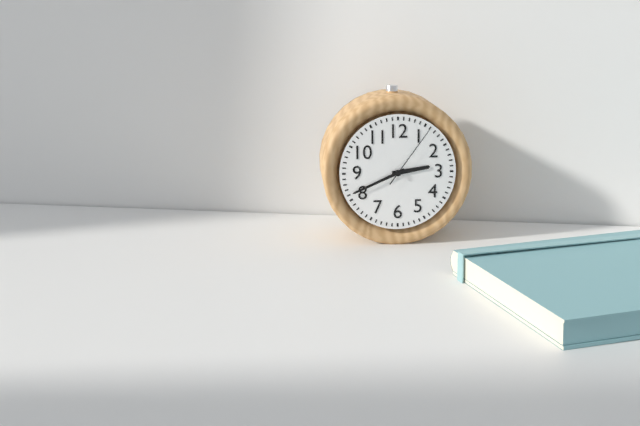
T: 2 h 41 min 06 s
